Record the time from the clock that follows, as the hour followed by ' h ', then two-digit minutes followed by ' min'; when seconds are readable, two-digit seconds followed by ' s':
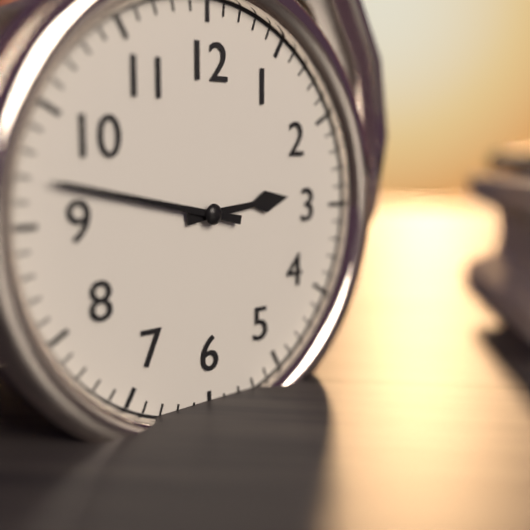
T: 2 h 47 min
